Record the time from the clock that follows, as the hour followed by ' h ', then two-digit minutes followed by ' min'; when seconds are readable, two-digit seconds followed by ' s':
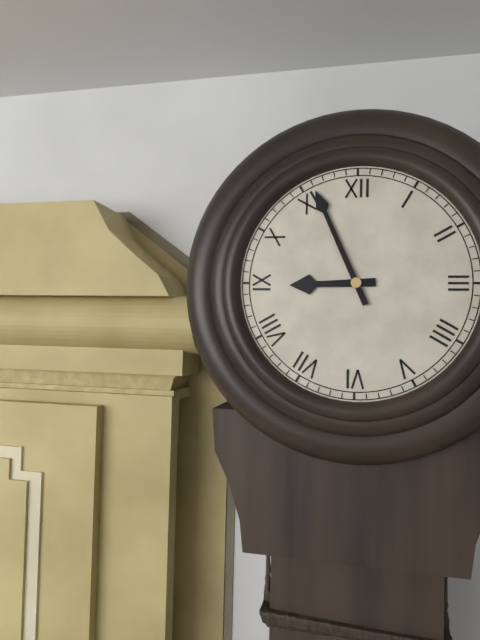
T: 8 h 56 min
